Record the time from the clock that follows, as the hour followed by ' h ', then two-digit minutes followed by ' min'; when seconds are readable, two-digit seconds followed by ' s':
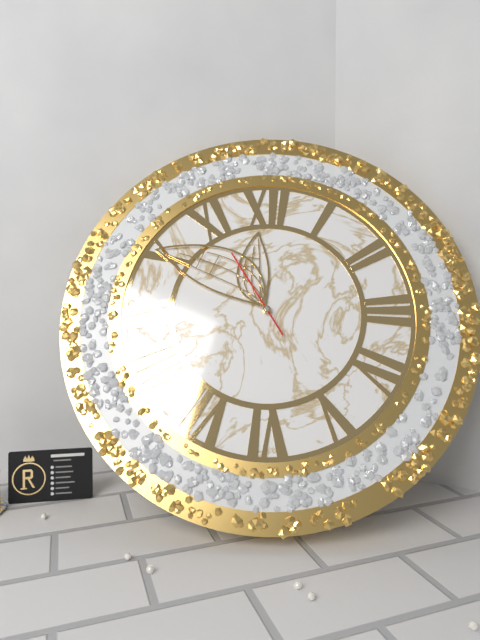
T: 11 h 50 min 55 s
